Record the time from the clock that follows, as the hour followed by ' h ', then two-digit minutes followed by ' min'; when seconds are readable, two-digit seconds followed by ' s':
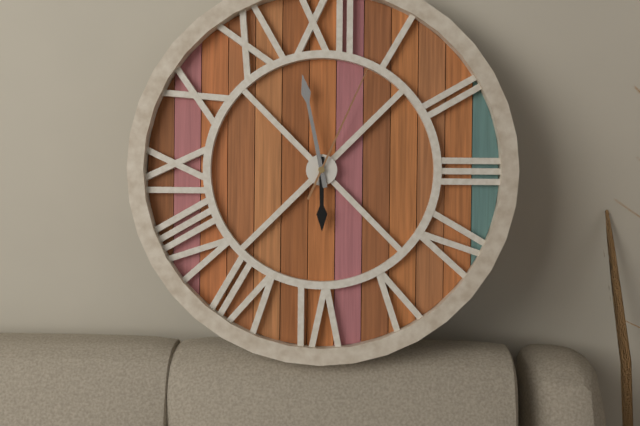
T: 5 h 58 min 04 s
